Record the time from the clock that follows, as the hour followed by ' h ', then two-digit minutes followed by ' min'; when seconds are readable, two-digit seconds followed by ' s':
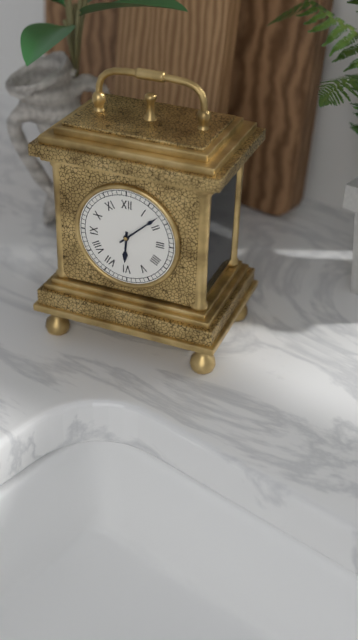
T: 6 h 08 min
